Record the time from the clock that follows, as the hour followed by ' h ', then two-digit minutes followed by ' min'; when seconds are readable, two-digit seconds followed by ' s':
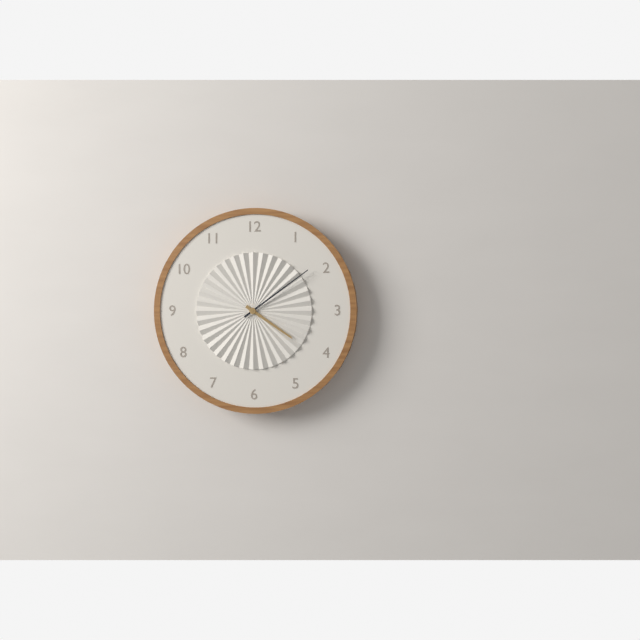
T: 4 h 09 min
